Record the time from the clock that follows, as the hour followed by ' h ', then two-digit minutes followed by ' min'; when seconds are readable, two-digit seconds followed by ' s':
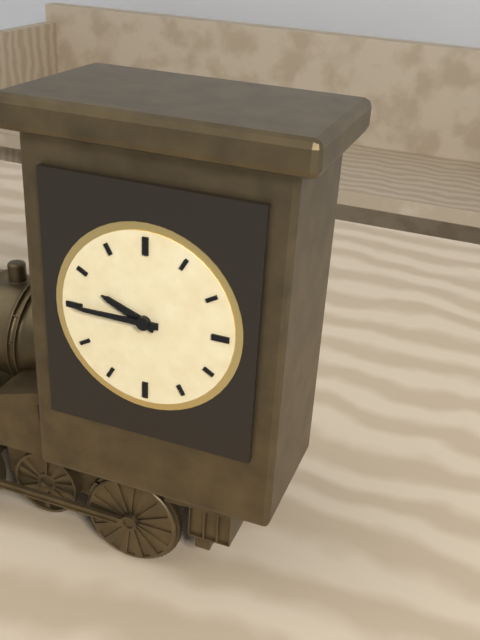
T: 9 h 45 min
